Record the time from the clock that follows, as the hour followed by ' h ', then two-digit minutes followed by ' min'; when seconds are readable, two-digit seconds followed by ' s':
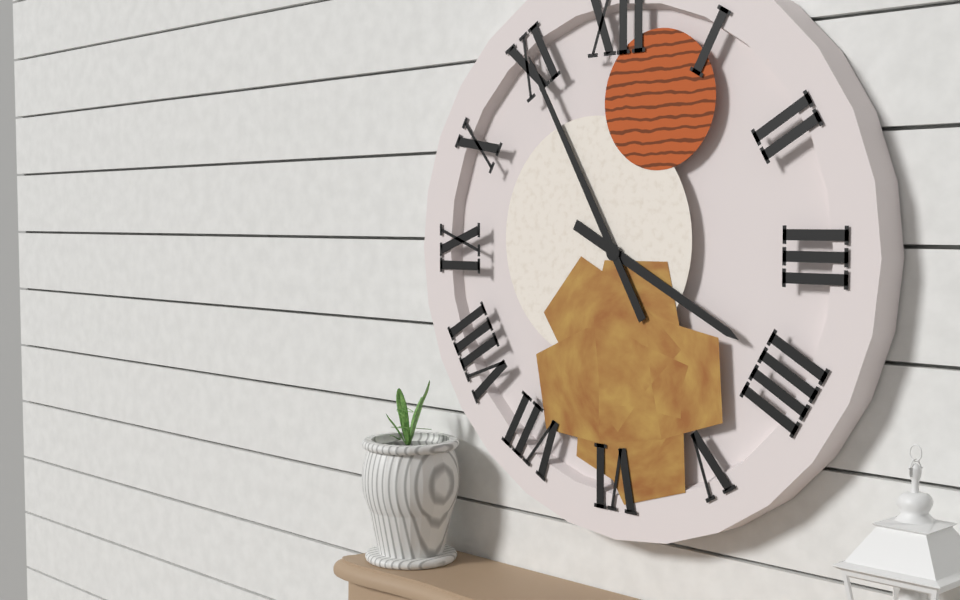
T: 3 h 55 min
